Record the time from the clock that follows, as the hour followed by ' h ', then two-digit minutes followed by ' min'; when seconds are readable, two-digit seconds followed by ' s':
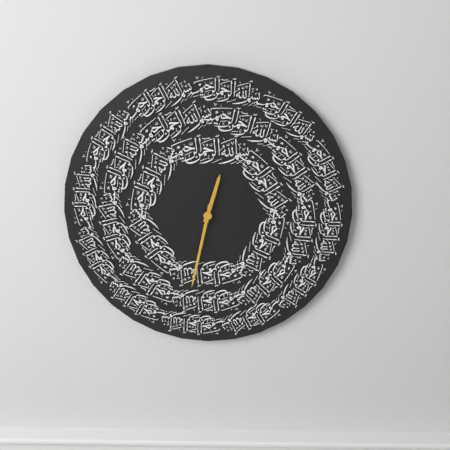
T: 12 h 32 min
